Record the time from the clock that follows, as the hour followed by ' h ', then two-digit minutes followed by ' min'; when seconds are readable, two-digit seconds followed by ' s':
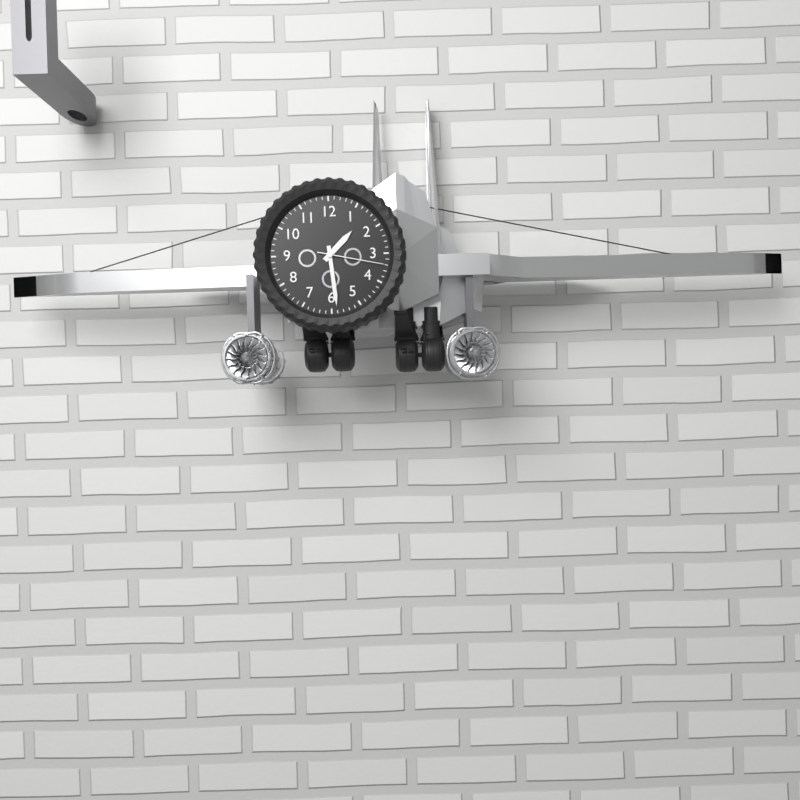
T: 1 h 29 min 17 s
